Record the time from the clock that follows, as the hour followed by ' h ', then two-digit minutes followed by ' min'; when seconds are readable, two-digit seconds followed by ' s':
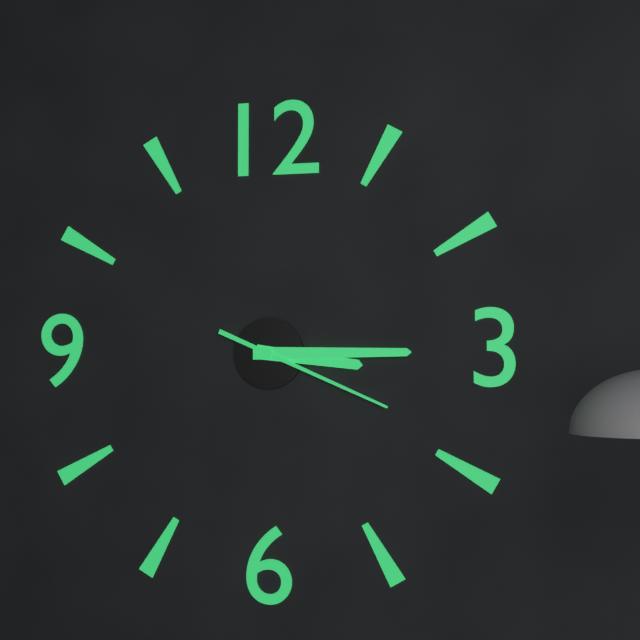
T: 3 h 15 min 19 s
